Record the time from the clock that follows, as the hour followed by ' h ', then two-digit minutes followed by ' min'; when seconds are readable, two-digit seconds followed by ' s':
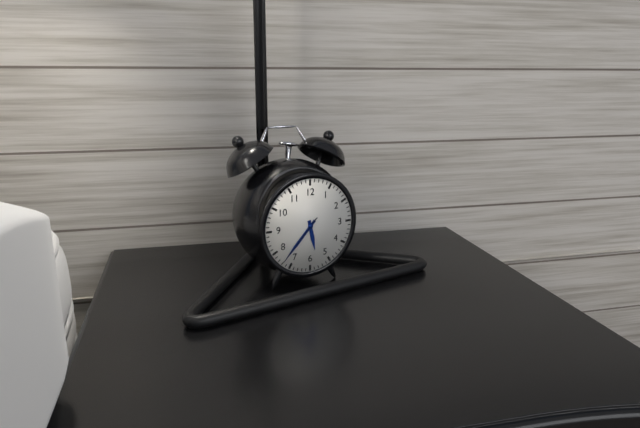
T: 5 h 37 min 37 s
